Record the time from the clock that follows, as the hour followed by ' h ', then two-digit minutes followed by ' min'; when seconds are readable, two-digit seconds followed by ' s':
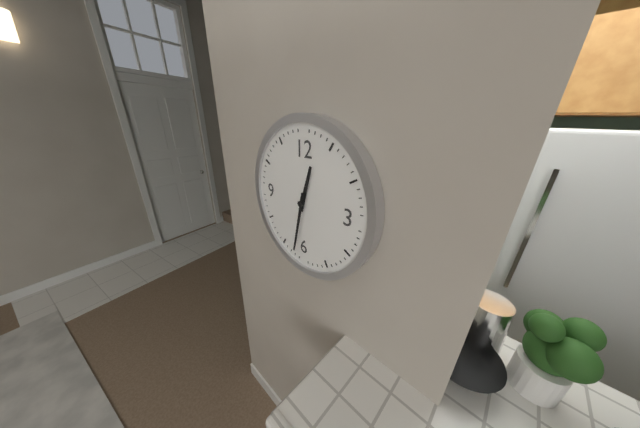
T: 12 h 32 min
